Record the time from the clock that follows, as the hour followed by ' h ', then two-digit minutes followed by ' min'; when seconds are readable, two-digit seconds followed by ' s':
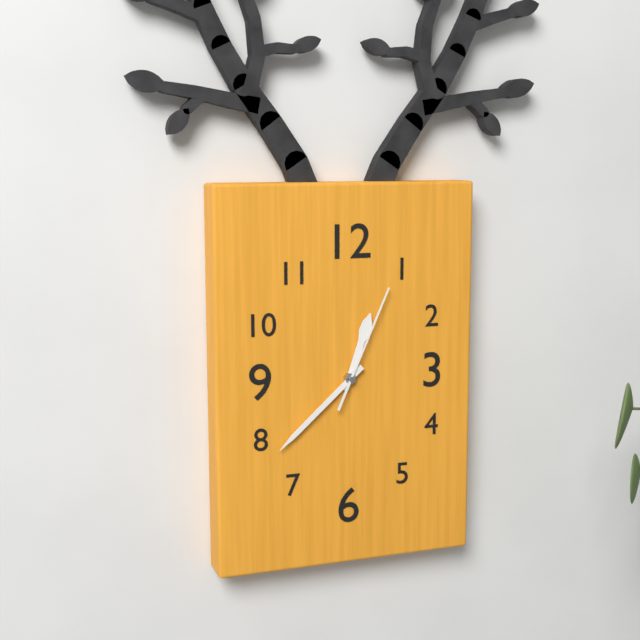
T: 12 h 38 min 04 s
